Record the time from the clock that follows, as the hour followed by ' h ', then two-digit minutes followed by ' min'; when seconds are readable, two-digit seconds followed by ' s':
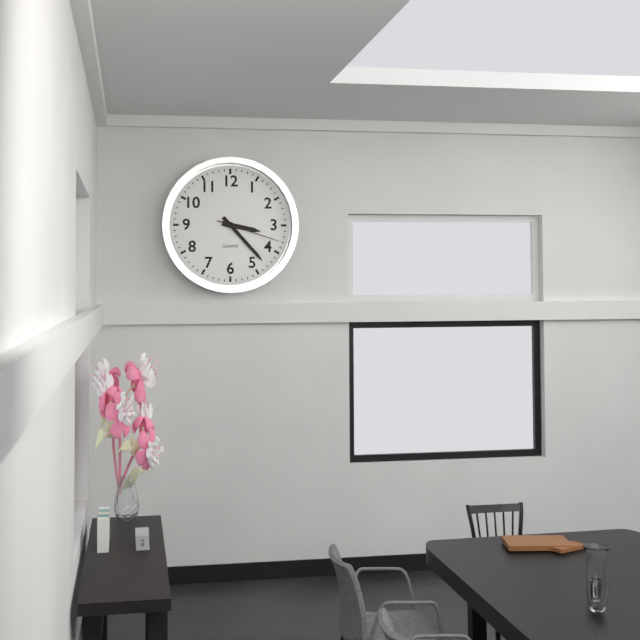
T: 3 h 23 min 18 s
